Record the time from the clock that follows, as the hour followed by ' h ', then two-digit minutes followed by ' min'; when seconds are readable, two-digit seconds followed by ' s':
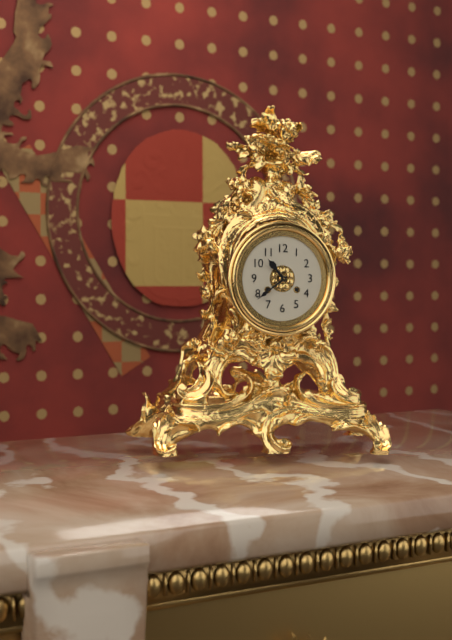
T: 10 h 39 min
